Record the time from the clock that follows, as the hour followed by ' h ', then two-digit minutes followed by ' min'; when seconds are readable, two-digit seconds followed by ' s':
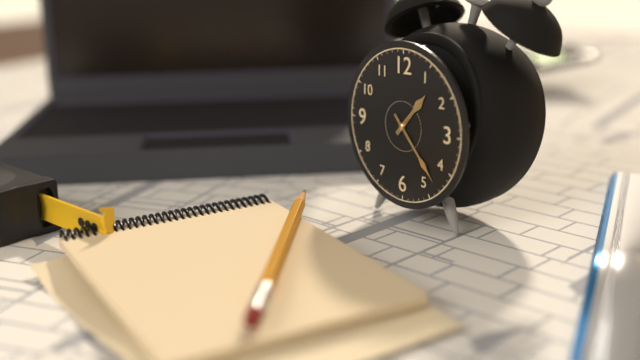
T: 1 h 23 min
